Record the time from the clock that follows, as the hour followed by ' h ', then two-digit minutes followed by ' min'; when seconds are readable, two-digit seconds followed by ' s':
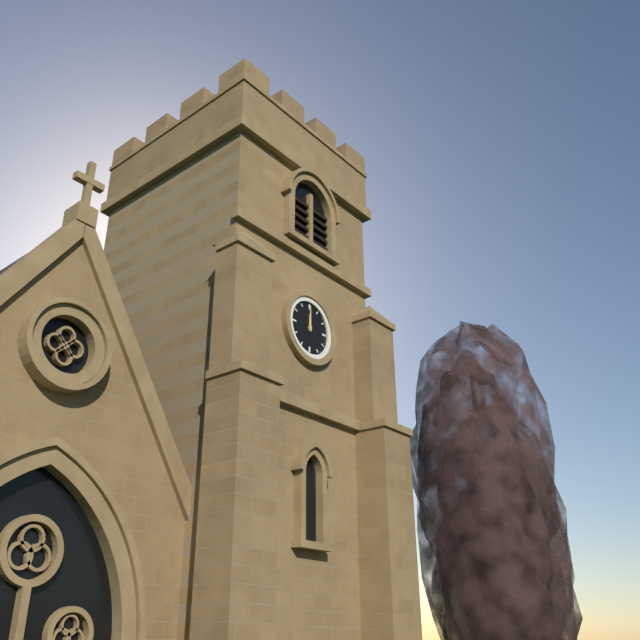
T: 12 h 00 min
